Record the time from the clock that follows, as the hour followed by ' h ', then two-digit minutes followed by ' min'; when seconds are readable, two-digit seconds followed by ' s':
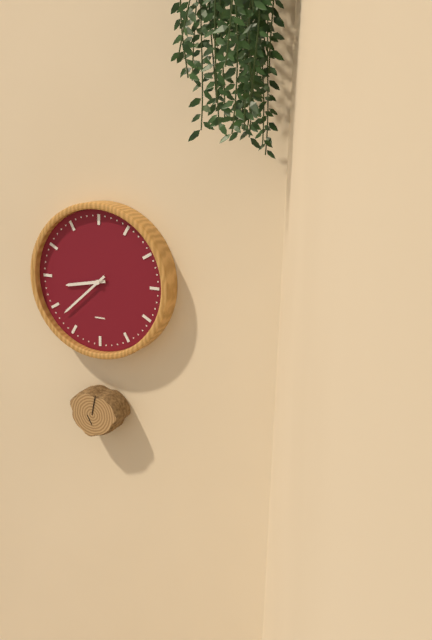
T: 8 h 38 min
